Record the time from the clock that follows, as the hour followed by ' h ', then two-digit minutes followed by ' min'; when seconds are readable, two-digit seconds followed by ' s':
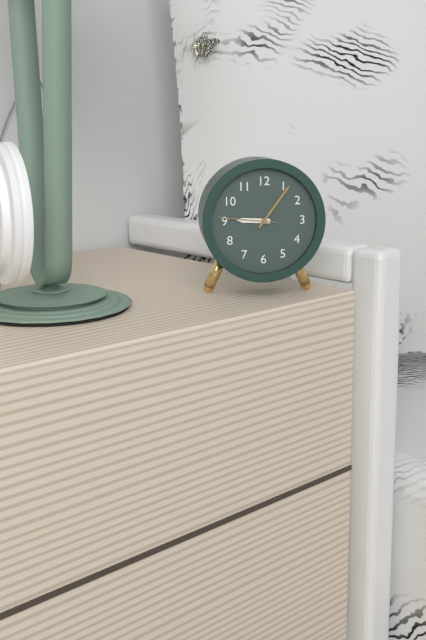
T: 9 h 06 min 46 s
